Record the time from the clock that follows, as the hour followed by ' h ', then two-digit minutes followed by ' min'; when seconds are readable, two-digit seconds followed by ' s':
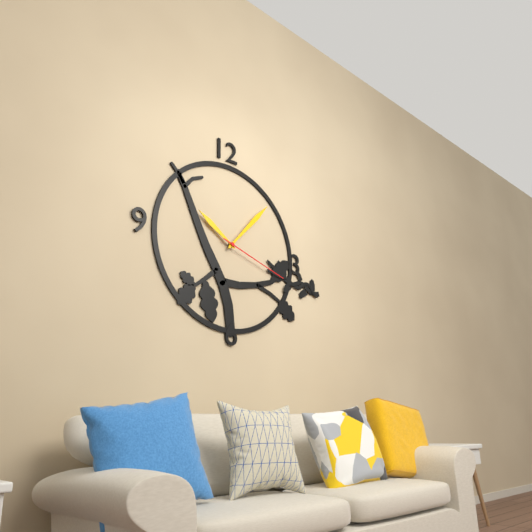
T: 10 h 07 min 18 s
